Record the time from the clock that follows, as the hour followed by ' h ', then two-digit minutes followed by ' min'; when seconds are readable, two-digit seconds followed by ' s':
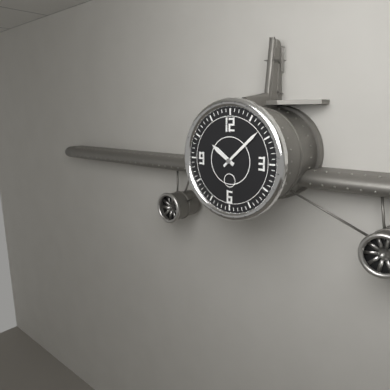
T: 10 h 08 min
